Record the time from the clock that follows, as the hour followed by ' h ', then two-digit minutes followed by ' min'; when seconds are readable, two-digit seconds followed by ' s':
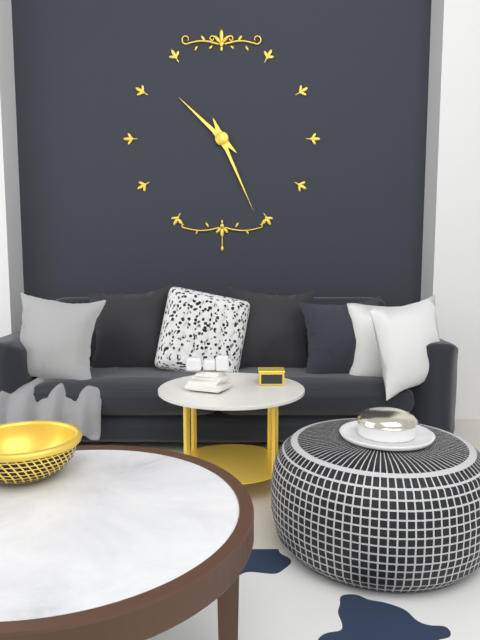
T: 10 h 26 min
